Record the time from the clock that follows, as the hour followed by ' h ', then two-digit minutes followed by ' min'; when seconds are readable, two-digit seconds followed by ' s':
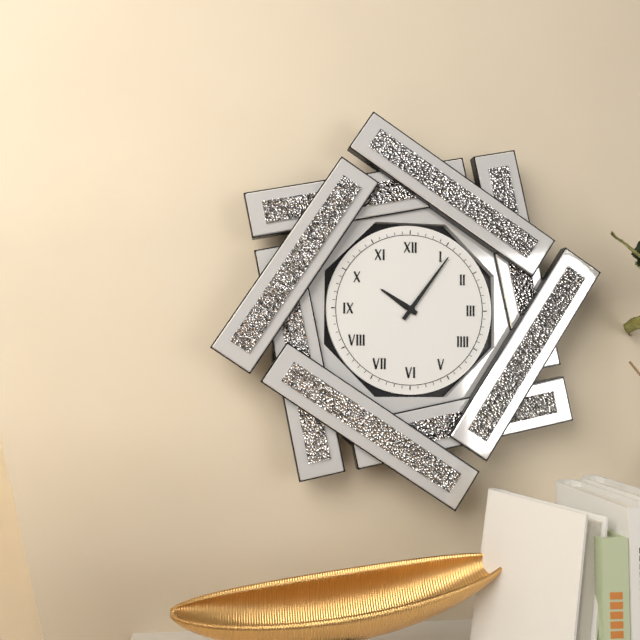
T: 10 h 06 min
